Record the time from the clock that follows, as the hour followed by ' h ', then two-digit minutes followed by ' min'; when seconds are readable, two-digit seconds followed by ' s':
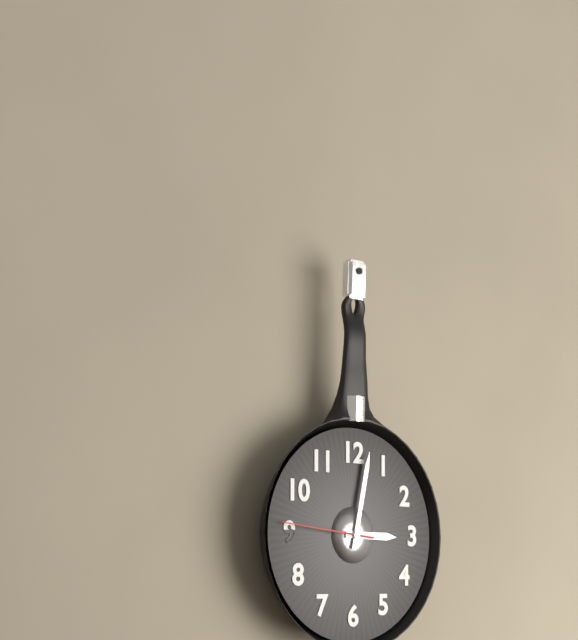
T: 3 h 02 min 46 s
